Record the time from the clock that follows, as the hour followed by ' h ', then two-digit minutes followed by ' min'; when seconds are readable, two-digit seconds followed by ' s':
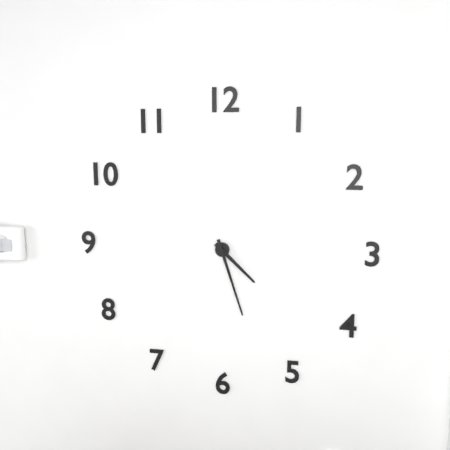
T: 4 h 27 min
